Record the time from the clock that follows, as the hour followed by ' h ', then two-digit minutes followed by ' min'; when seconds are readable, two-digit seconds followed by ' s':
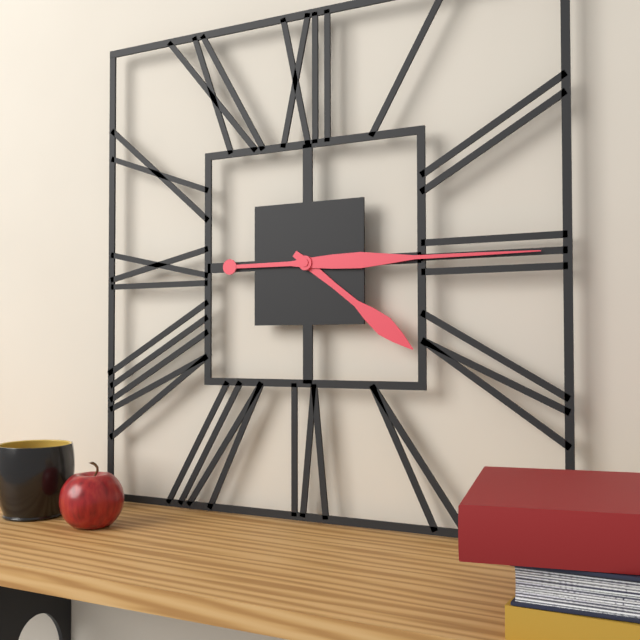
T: 4 h 15 min
